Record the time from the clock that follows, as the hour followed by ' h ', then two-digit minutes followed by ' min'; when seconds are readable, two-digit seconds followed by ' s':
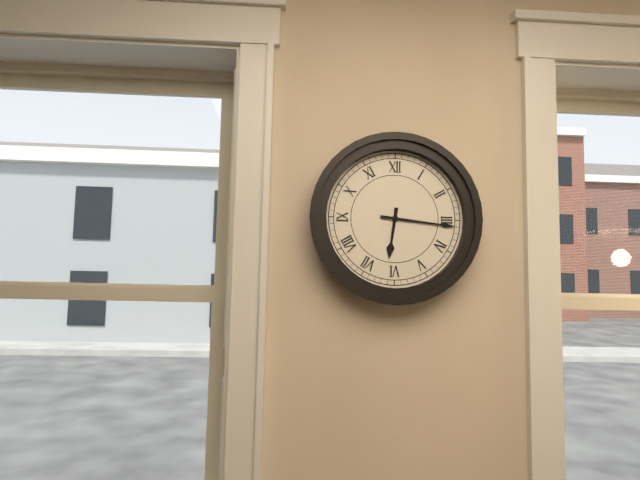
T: 6 h 16 min
